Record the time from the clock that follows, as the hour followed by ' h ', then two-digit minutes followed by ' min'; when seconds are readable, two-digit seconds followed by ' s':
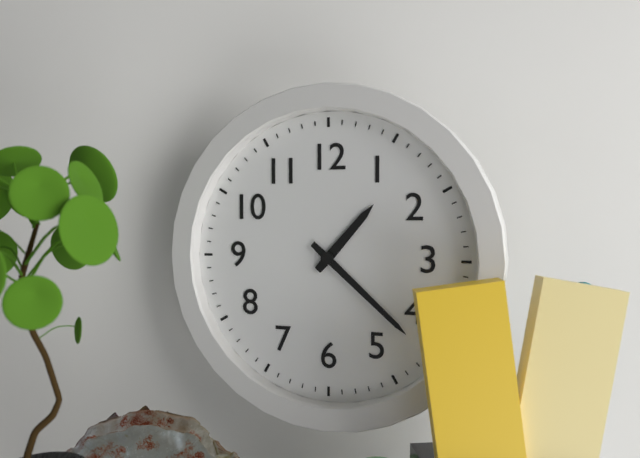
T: 1 h 22 min
